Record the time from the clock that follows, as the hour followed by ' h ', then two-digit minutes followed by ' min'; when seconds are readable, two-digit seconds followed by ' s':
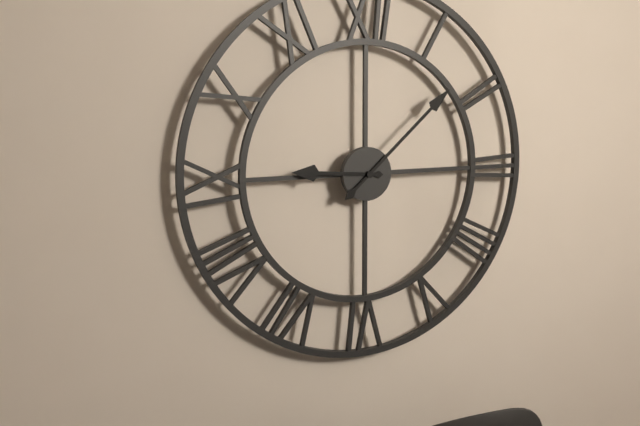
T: 9 h 08 min
